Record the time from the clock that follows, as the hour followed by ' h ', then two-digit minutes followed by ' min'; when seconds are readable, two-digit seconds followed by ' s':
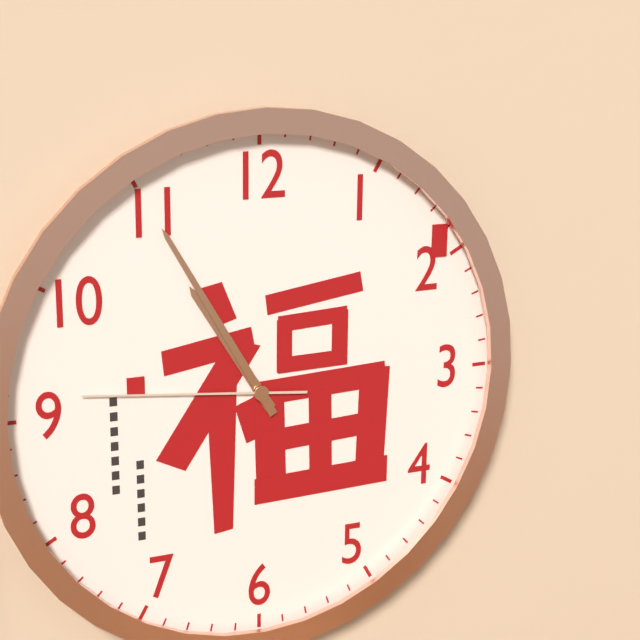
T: 10 h 55 min 46 s
